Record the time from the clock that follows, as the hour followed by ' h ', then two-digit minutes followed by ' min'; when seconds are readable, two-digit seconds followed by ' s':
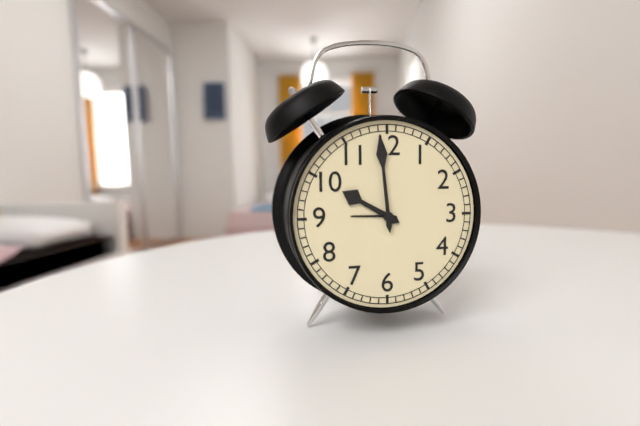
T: 9 h 59 min
